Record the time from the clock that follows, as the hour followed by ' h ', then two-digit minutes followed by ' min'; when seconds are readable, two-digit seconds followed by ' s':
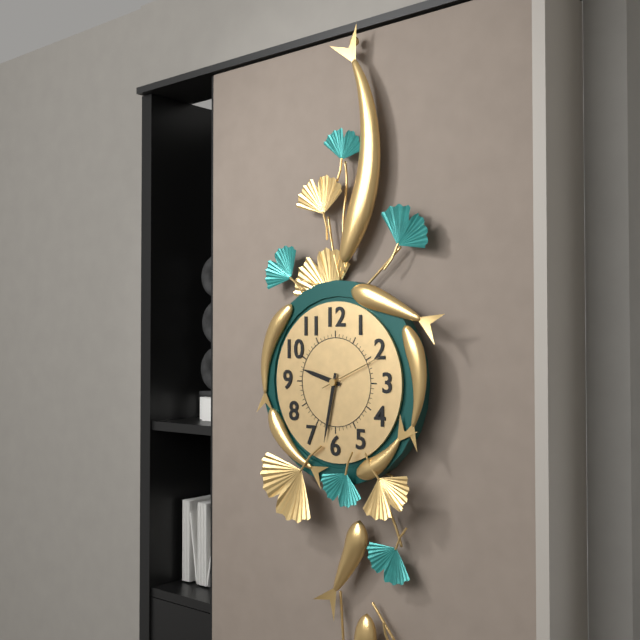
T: 9 h 32 min 11 s
